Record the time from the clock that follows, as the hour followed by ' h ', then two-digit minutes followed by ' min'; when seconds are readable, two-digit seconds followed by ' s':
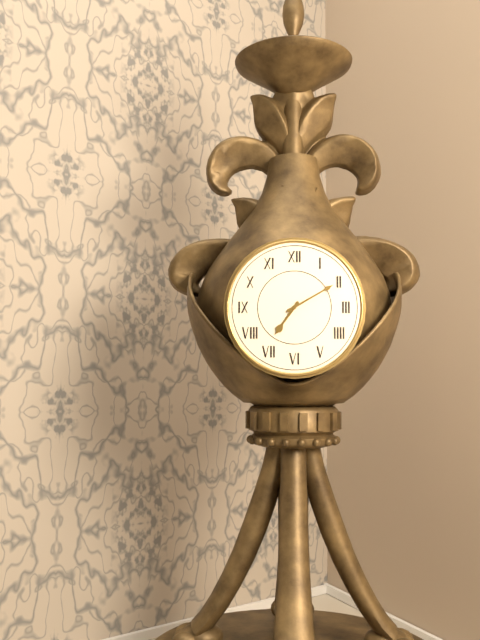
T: 7 h 10 min
